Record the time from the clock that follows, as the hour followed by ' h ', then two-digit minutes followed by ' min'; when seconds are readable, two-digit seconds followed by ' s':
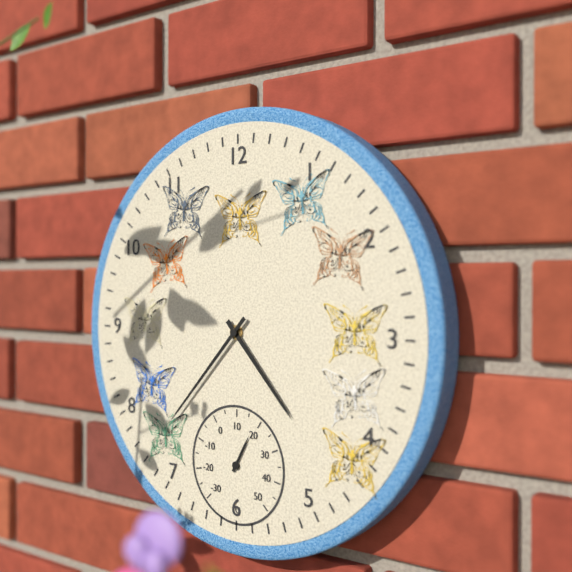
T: 4 h 37 min
